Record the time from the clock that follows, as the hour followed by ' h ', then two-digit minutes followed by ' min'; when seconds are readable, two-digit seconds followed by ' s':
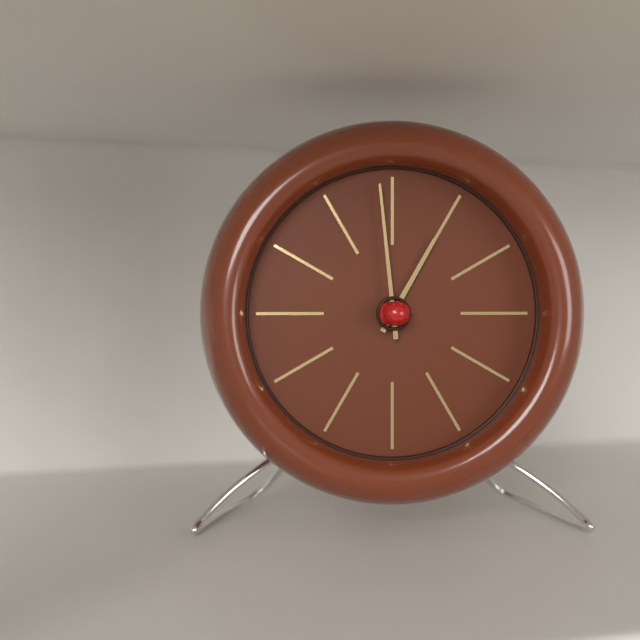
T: 12 h 59 min
